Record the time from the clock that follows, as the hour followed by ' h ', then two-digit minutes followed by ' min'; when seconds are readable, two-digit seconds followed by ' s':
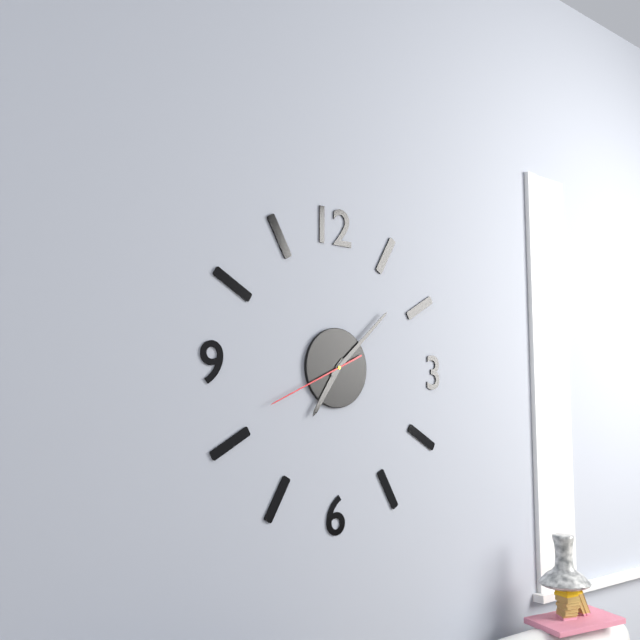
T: 7 h 08 min 41 s
